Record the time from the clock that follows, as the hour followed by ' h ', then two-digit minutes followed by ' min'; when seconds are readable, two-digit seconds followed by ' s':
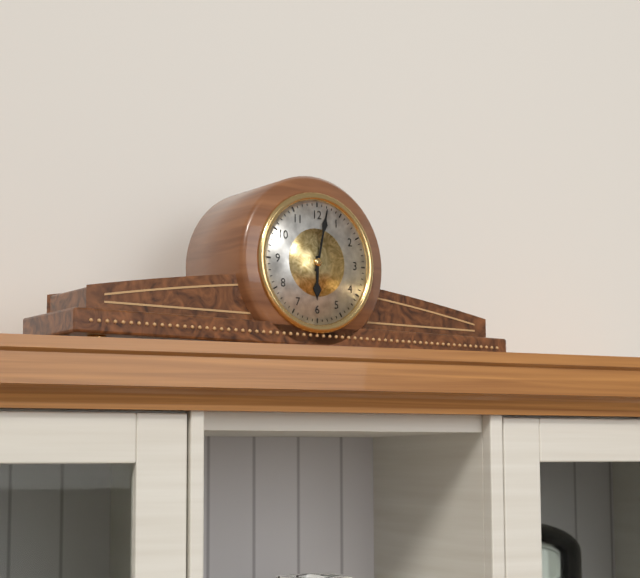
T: 6 h 02 min
